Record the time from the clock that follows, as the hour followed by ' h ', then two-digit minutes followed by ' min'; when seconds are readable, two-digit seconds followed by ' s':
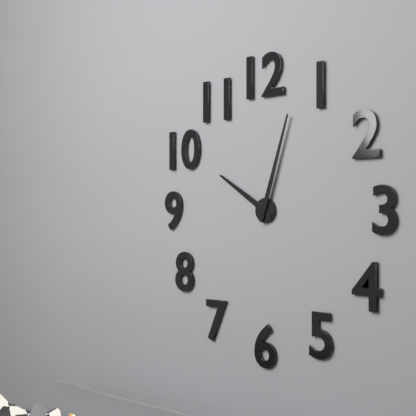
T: 10 h 03 min
